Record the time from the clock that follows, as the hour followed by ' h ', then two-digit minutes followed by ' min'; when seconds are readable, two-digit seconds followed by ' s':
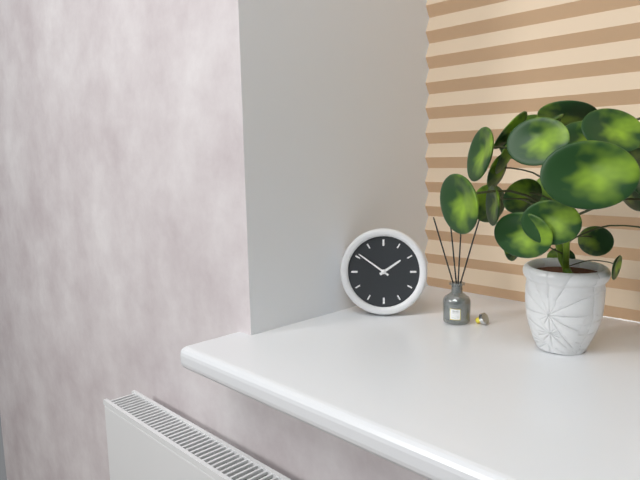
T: 1 h 51 min
